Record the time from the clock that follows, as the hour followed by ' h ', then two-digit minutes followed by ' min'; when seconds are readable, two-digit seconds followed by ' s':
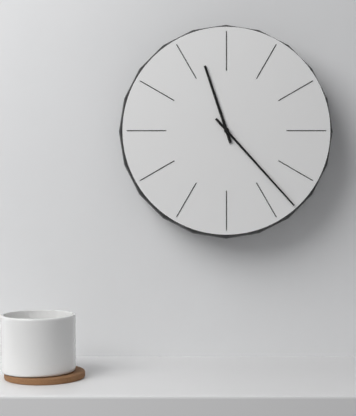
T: 11 h 23 min
